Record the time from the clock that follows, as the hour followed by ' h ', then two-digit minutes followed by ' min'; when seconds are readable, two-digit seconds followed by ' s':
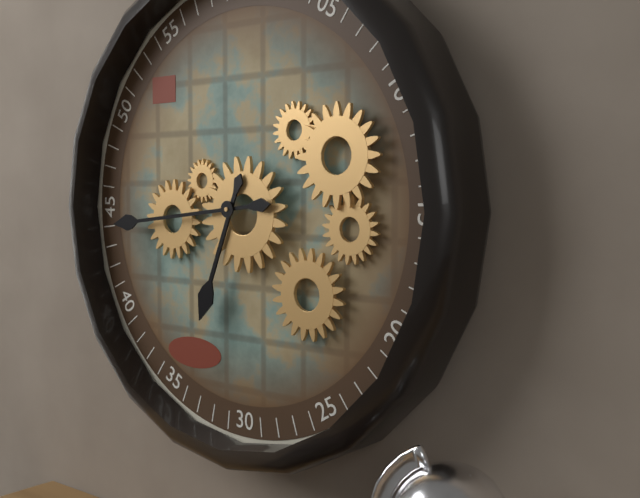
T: 6 h 44 min
